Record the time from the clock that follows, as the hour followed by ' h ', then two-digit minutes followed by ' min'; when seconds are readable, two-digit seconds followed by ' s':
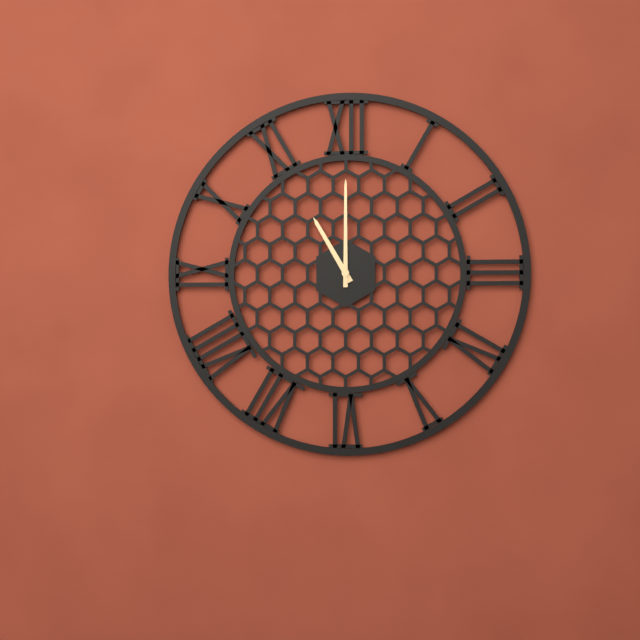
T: 11 h 00 min
